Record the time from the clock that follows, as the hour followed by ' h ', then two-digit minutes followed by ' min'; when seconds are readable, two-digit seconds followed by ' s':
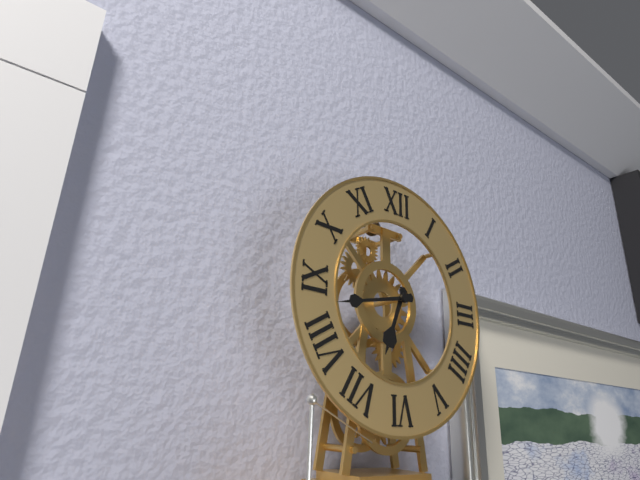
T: 6 h 43 min
